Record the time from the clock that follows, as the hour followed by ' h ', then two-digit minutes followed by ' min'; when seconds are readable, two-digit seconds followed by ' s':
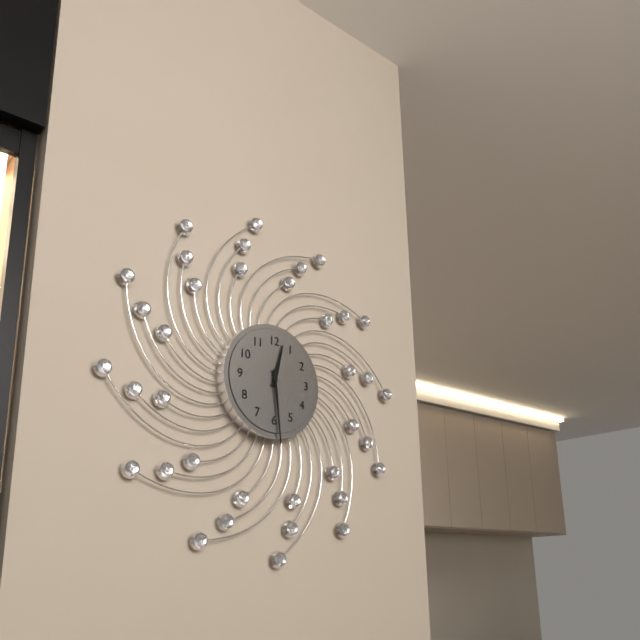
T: 12 h 29 min
